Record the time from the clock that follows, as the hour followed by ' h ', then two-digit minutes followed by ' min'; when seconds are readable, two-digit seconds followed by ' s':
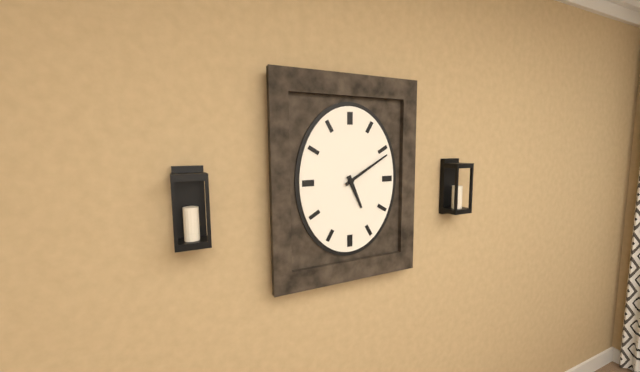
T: 5 h 10 min
